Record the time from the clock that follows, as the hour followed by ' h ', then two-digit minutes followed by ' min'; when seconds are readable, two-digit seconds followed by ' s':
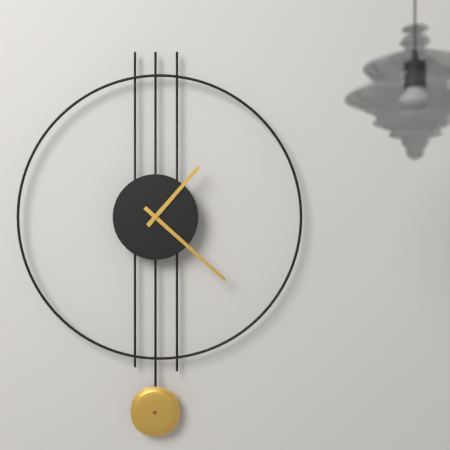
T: 1 h 22 min
